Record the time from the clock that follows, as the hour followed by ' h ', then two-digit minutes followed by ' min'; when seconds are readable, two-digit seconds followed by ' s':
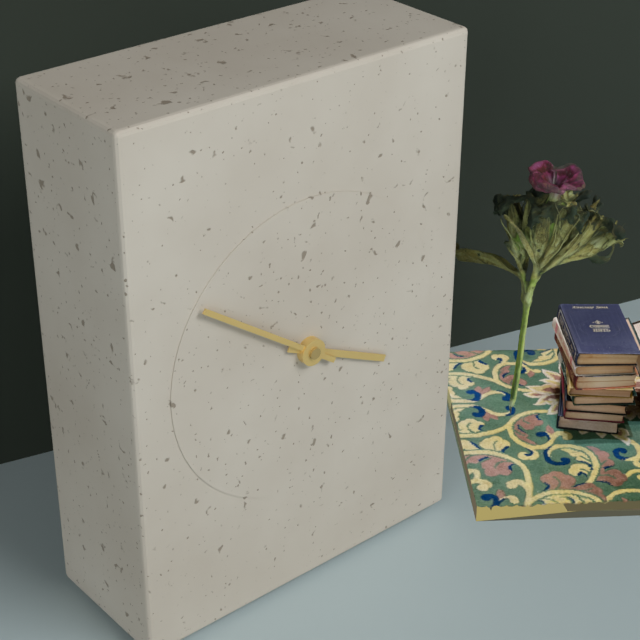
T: 3 h 51 min
